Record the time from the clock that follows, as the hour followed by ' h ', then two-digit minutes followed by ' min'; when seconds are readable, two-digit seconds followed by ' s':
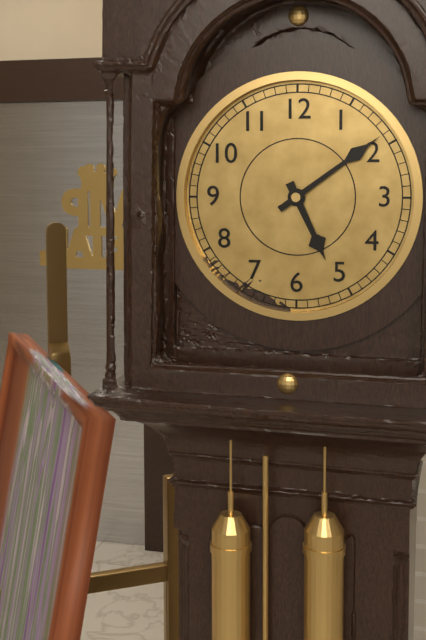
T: 5 h 09 min
